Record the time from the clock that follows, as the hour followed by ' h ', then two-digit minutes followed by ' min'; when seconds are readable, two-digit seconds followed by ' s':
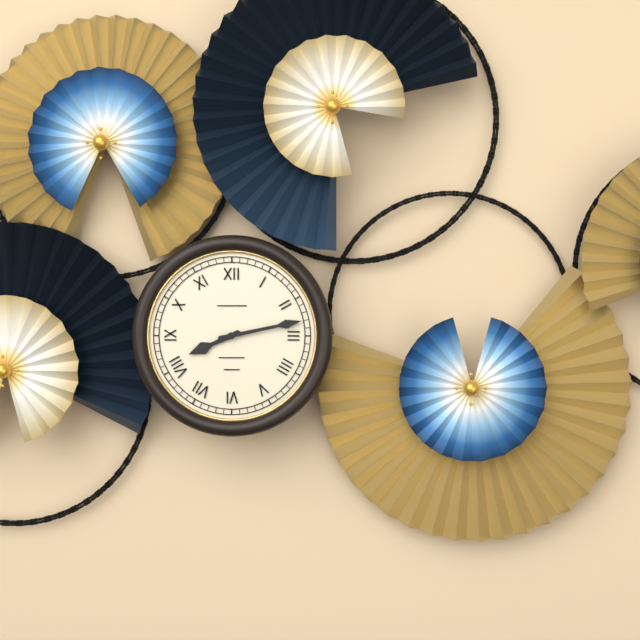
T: 8 h 13 min
